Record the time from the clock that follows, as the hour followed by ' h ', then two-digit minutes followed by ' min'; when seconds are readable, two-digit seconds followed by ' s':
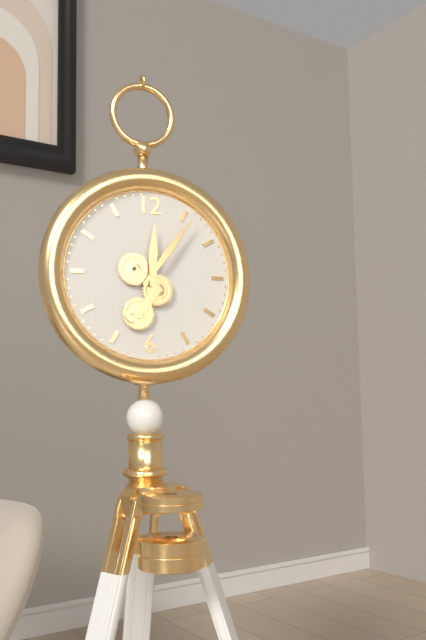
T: 12 h 06 min
